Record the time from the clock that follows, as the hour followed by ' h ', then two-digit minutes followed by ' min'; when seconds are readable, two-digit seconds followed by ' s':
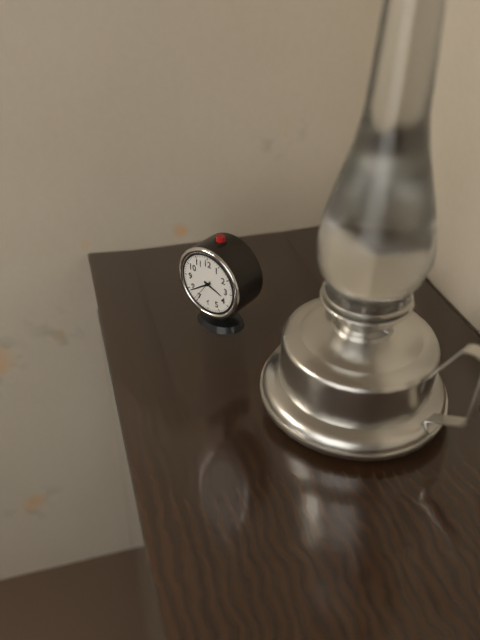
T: 3 h 39 min
